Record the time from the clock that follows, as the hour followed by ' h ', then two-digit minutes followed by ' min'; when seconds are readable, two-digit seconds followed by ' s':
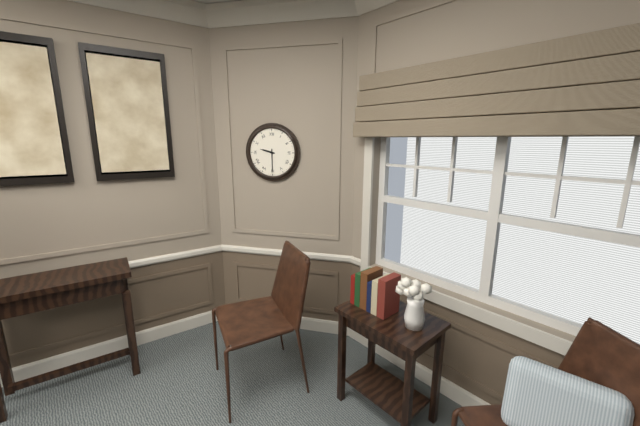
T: 9 h 30 min
